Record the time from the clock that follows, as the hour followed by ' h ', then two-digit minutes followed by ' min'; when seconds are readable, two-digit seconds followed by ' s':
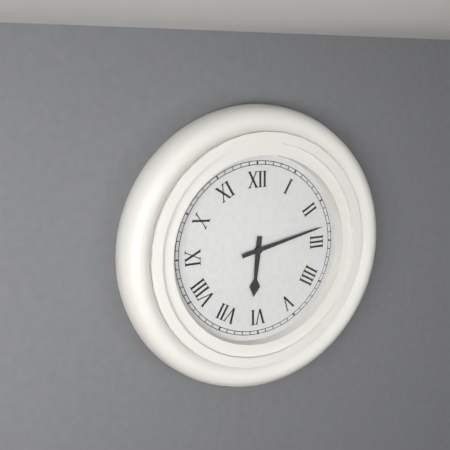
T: 6 h 13 min
